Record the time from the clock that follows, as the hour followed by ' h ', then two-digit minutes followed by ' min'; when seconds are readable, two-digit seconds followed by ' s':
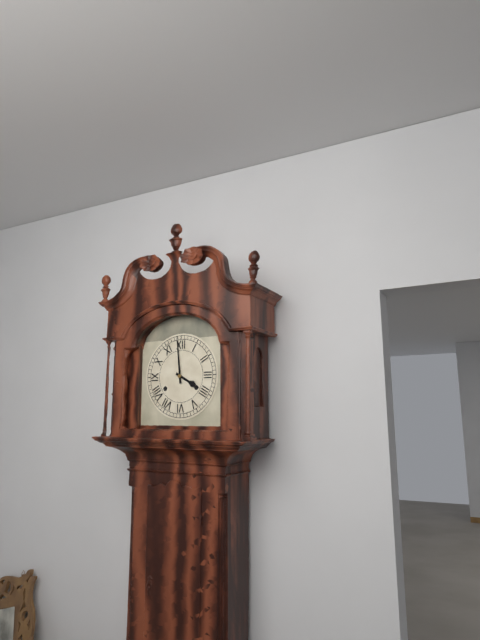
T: 3 h 59 min
